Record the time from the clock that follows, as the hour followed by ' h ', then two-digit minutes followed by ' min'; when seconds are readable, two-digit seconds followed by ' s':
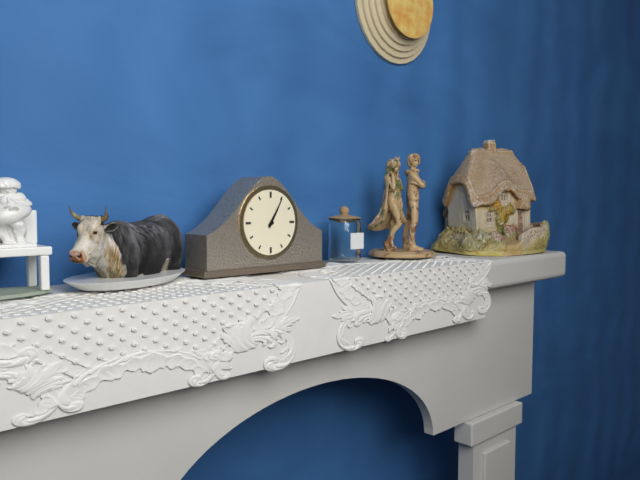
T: 1 h 05 min
